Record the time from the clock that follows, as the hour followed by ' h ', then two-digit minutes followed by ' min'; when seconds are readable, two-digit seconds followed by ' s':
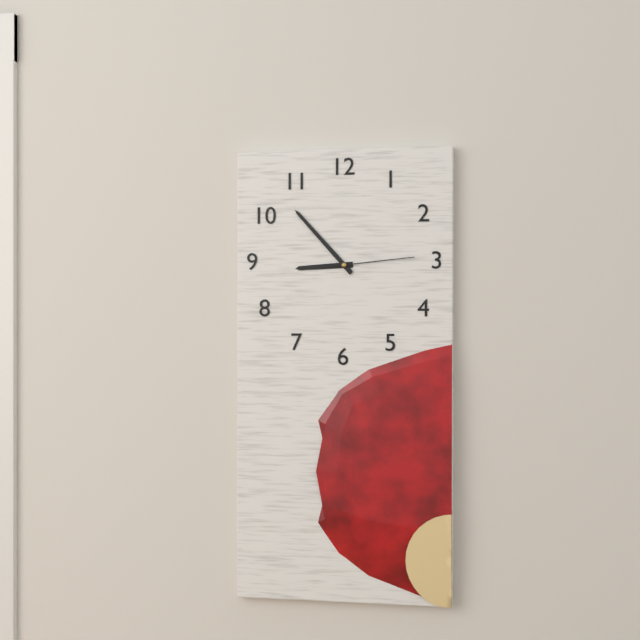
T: 8 h 53 min 14 s
